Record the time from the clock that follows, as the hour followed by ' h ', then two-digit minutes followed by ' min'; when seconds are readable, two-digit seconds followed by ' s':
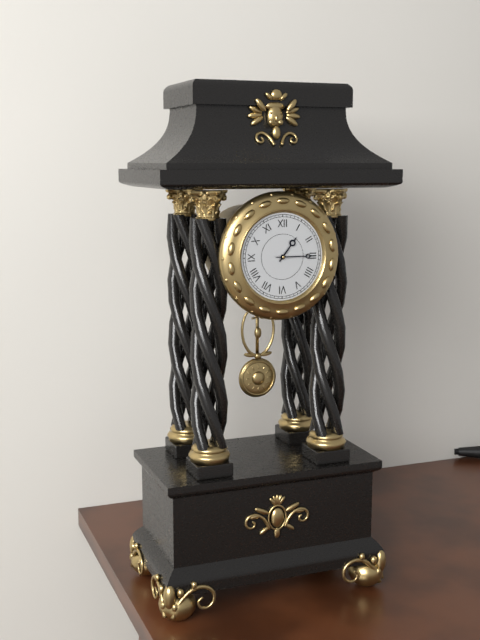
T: 1 h 15 min
